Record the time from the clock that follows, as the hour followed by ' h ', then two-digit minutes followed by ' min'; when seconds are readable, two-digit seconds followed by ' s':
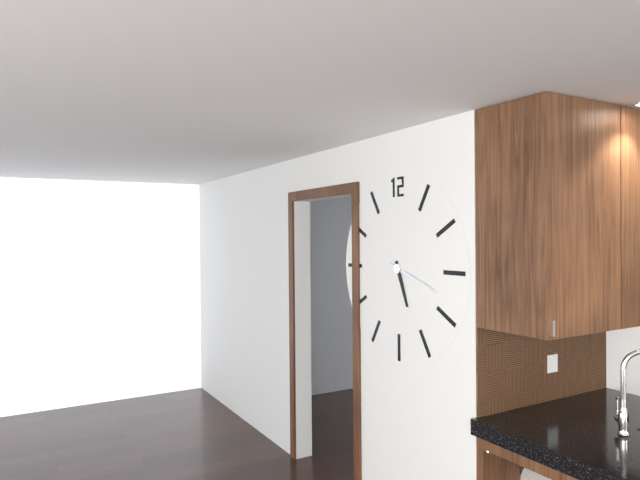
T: 5 h 18 min
